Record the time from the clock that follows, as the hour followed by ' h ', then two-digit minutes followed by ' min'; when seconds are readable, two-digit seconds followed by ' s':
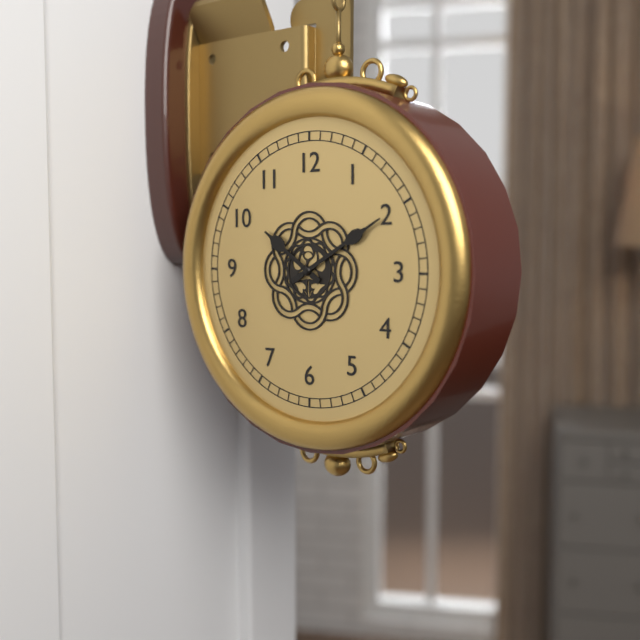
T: 10 h 10 min
